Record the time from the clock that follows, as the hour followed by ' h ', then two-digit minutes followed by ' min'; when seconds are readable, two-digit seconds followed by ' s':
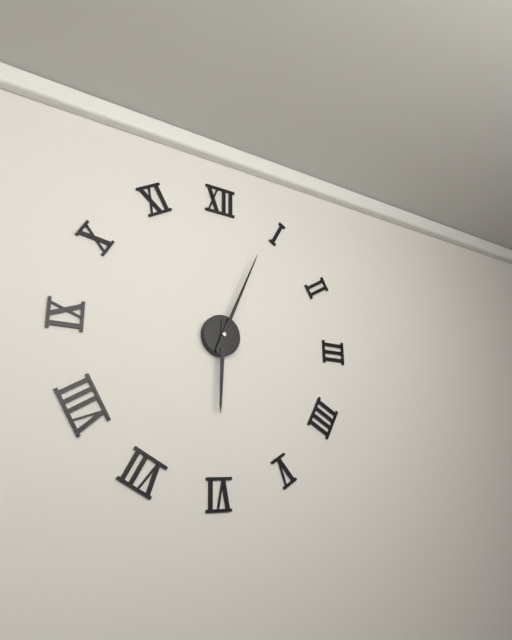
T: 6 h 04 min
